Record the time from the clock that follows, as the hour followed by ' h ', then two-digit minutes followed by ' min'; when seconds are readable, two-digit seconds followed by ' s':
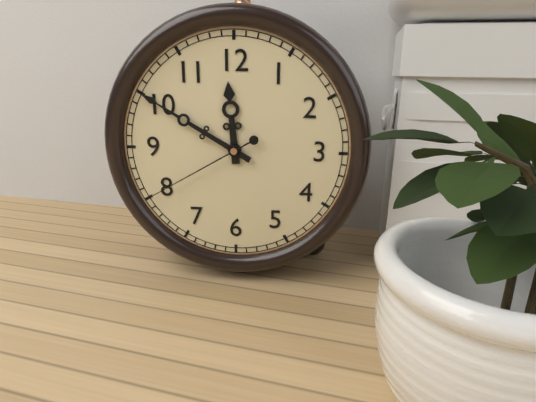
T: 11 h 50 min 40 s
